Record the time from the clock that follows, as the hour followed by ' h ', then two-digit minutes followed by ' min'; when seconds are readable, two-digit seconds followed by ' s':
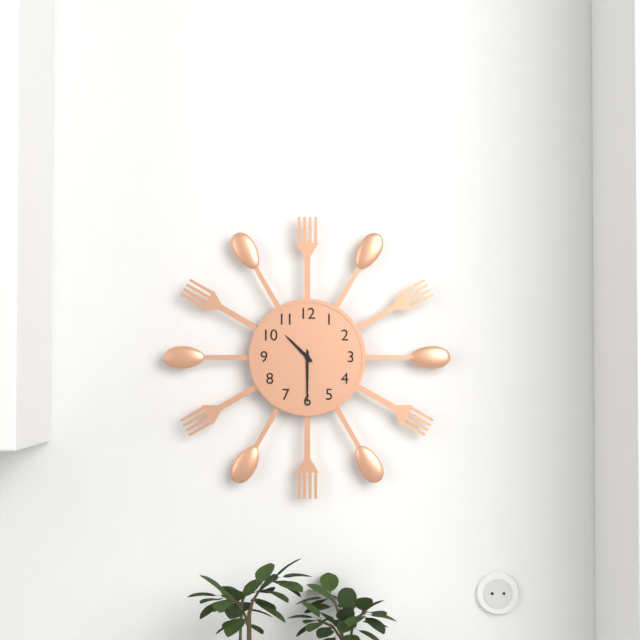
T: 10 h 30 min
